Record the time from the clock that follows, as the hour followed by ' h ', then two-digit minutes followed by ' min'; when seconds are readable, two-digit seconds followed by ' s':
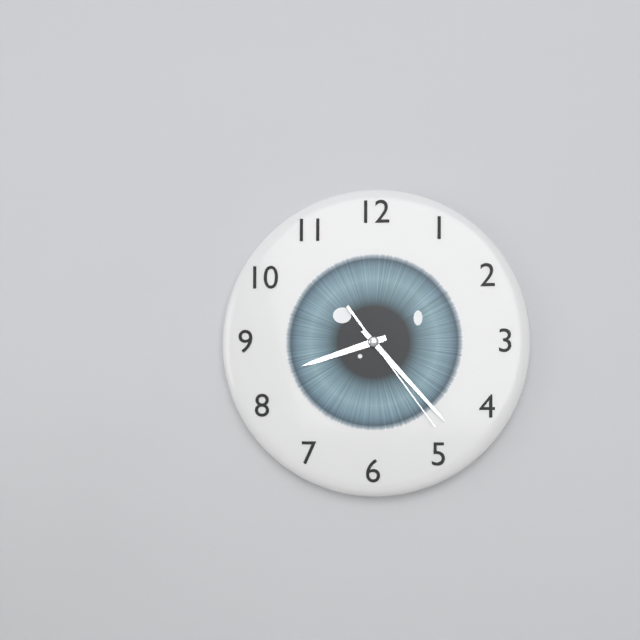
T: 8 h 23 min 24 s
